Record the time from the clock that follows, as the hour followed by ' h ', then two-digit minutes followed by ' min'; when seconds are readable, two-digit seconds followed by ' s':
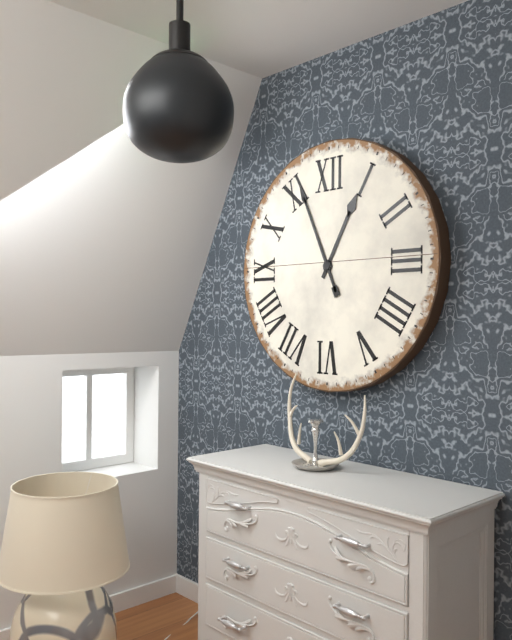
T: 12 h 56 min
